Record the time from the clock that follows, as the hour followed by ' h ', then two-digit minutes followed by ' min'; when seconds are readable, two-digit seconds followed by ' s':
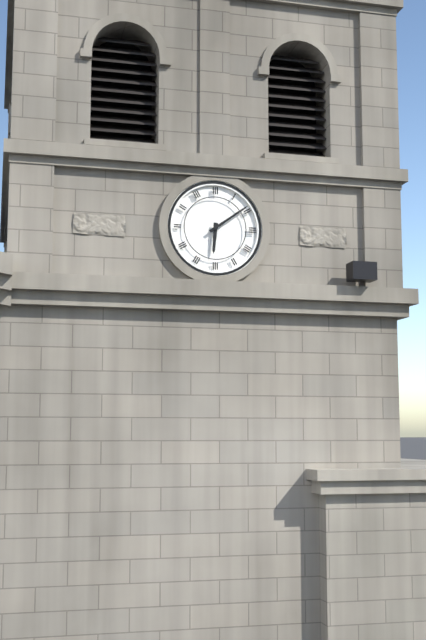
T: 6 h 09 min
